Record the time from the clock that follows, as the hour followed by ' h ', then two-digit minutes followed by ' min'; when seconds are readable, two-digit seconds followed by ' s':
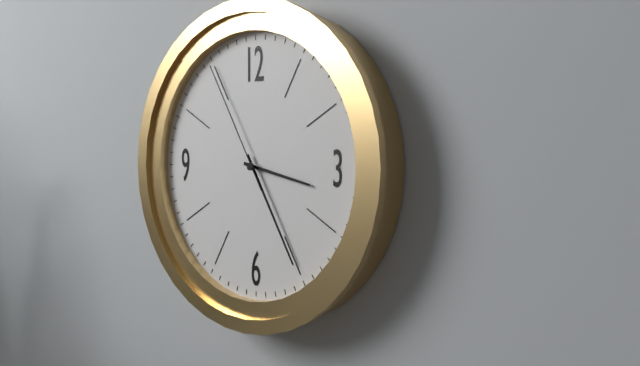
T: 3 h 25 min 55 s
